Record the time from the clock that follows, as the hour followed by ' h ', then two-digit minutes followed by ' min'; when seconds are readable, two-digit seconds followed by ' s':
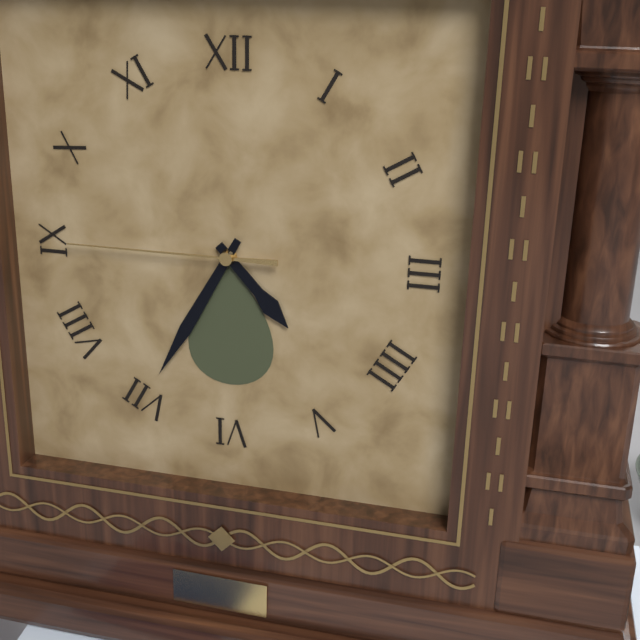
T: 4 h 35 min 45 s
